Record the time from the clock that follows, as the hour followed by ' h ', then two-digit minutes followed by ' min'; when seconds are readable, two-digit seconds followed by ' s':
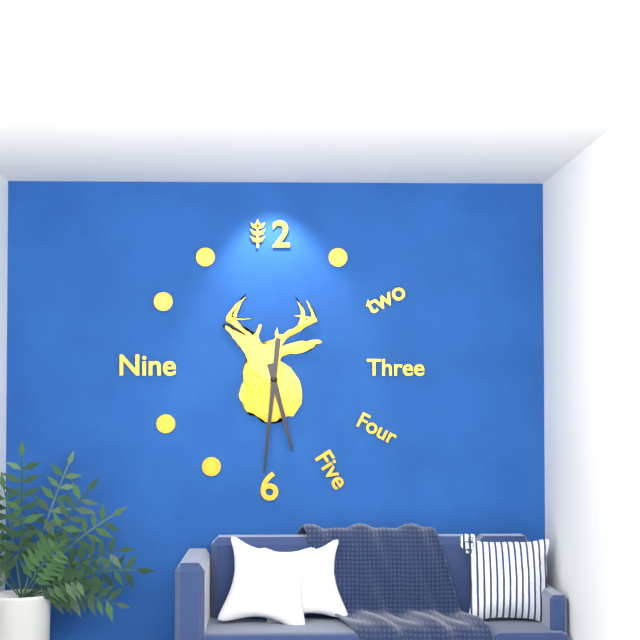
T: 5 h 31 min
